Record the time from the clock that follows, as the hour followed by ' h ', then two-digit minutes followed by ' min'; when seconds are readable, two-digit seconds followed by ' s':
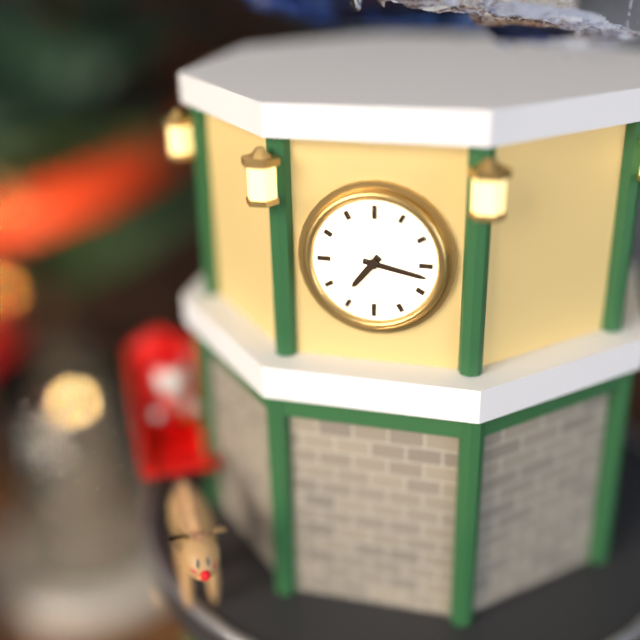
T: 7 h 17 min
